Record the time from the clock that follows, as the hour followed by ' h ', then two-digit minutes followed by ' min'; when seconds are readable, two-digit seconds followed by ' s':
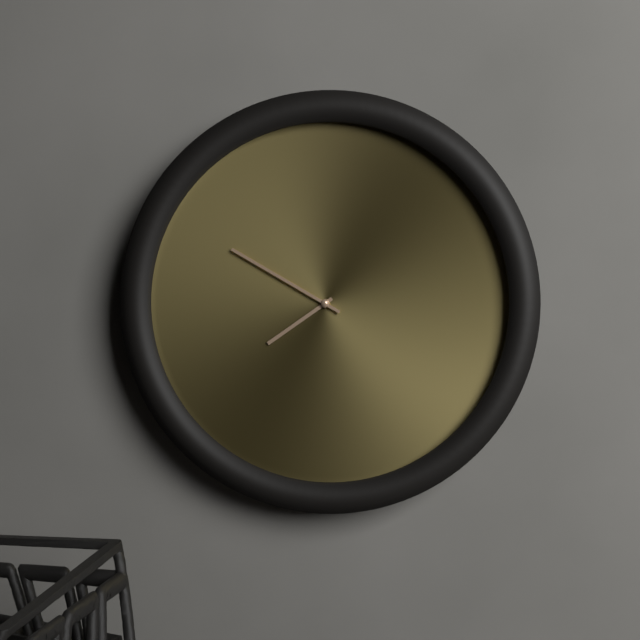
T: 7 h 50 min
